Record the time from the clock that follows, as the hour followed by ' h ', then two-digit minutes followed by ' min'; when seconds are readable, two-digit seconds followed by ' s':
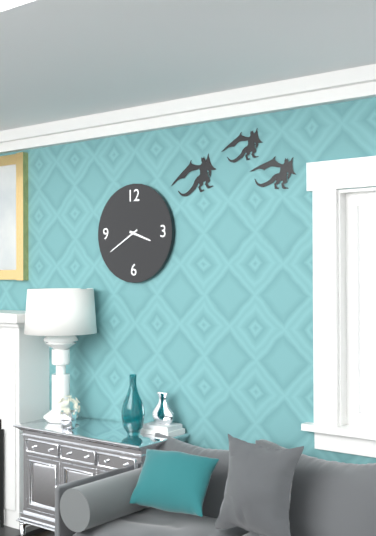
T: 3 h 40 min
